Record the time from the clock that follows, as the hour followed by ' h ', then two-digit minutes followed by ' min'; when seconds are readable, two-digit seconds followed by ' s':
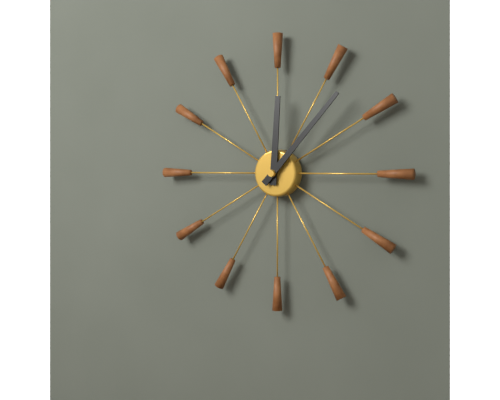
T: 12 h 07 min
